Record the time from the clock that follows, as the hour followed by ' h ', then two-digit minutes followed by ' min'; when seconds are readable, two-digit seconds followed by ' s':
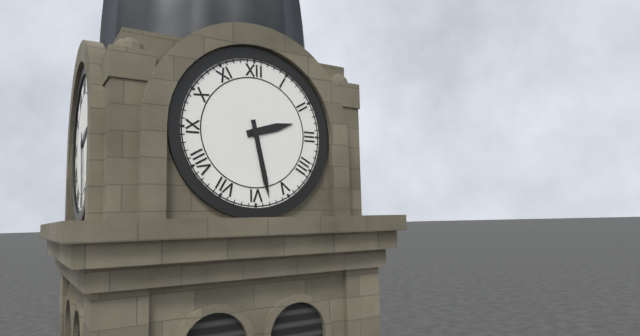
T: 2 h 28 min
